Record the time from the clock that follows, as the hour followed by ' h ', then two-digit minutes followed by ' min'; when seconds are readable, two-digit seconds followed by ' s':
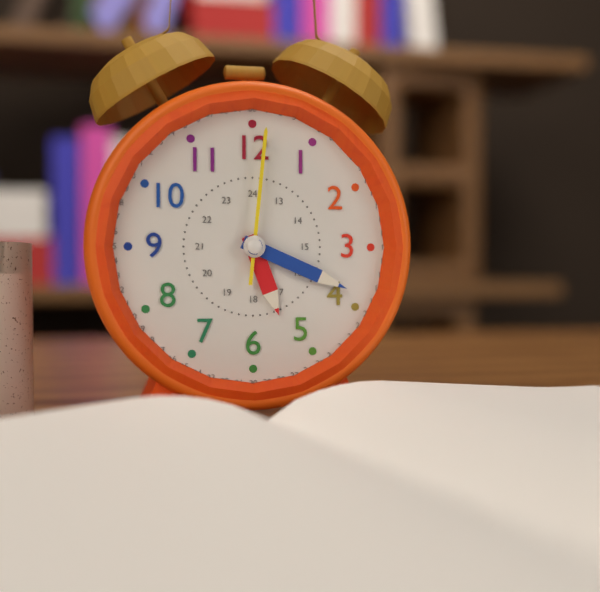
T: 5 h 19 min 01 s
